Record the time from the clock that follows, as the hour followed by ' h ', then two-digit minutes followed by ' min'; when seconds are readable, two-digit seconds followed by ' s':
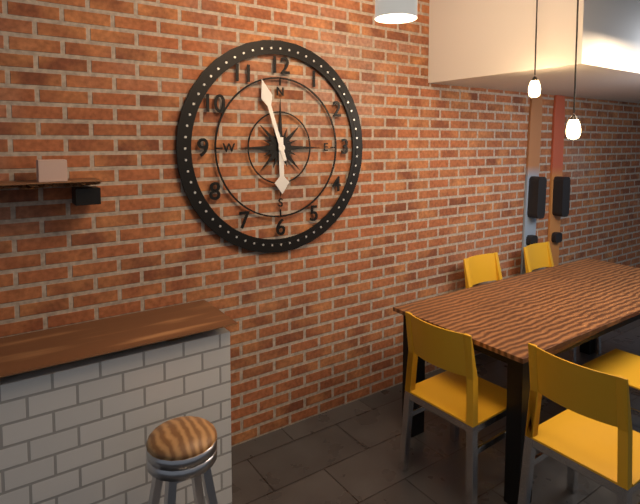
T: 5 h 57 min
